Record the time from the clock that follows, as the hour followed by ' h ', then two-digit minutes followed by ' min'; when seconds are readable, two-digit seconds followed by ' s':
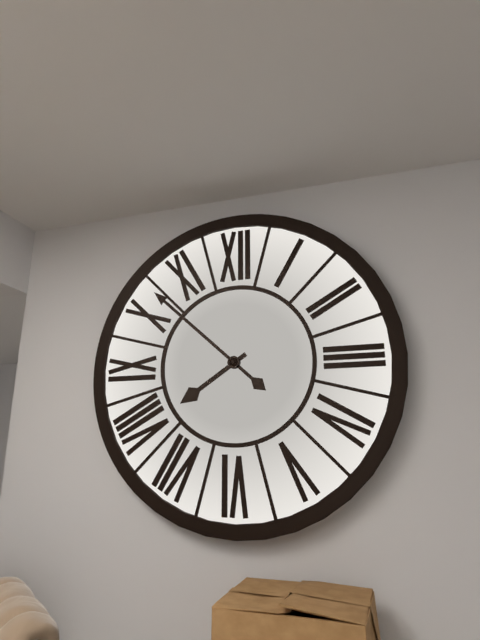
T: 7 h 52 min
